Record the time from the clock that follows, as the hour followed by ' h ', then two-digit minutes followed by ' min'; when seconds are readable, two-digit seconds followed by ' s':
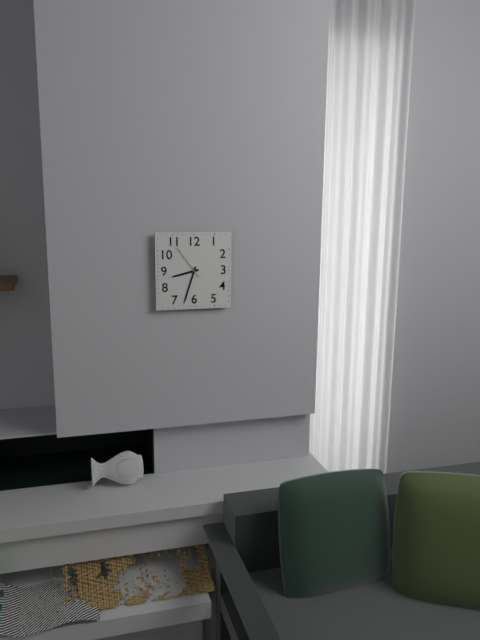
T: 8 h 33 min
